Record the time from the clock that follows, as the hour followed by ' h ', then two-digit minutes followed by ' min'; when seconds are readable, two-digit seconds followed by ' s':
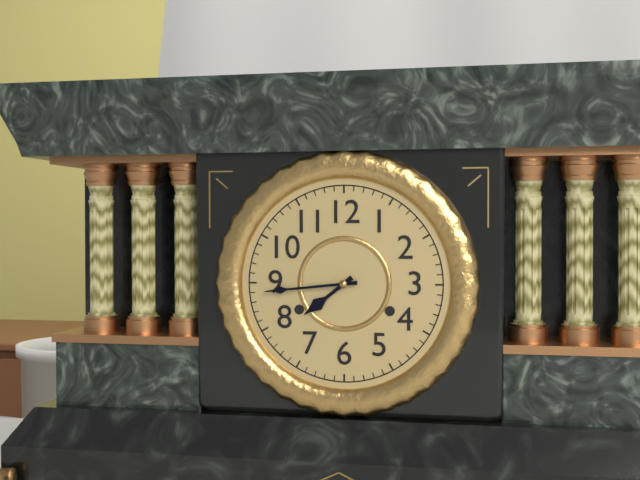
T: 7 h 44 min
